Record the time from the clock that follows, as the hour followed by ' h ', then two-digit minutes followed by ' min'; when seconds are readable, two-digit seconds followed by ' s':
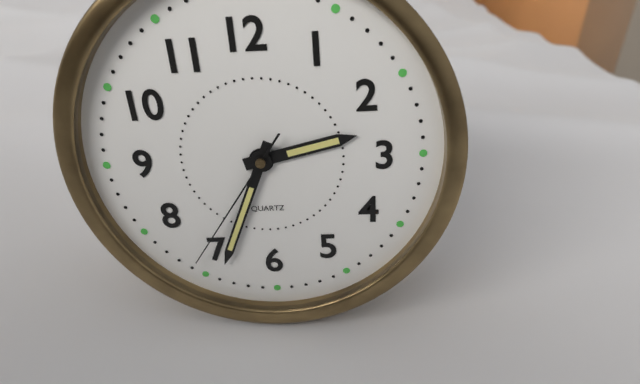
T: 2 h 34 min 36 s
